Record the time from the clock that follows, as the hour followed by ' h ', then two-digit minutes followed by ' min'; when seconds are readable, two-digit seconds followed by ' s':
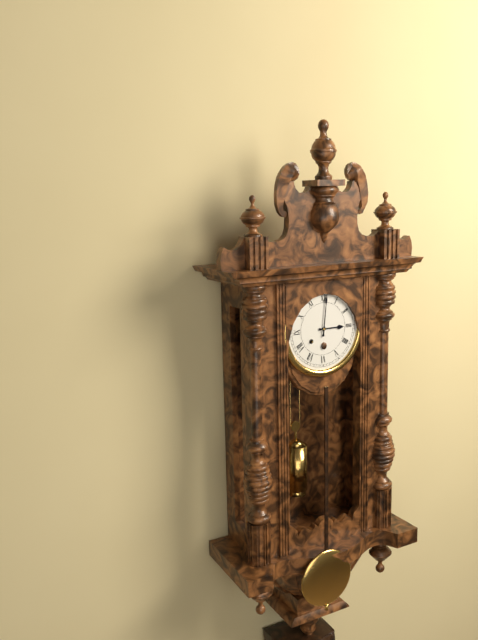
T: 3 h 01 min
